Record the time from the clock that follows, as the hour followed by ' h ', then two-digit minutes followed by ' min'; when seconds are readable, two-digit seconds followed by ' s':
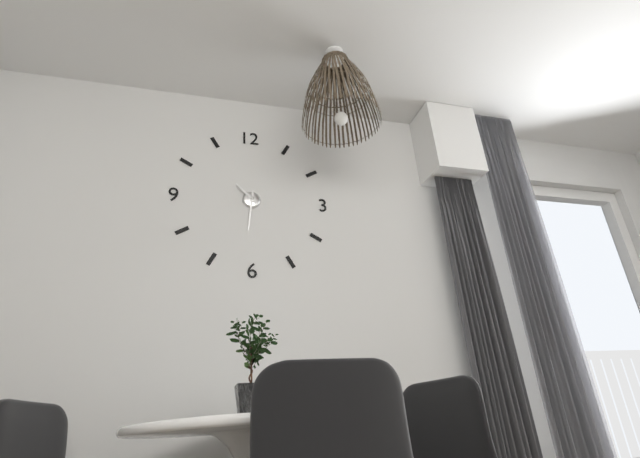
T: 10 h 31 min
